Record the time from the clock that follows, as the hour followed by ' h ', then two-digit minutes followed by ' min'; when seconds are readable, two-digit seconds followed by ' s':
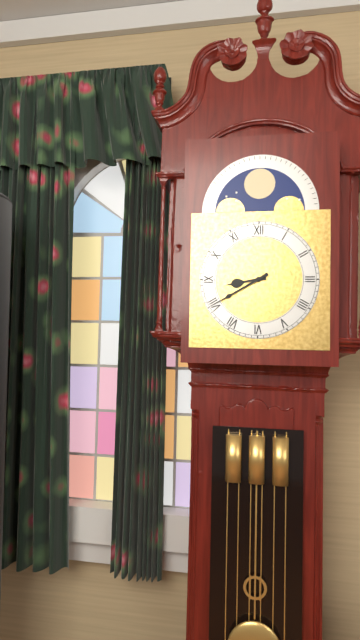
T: 8 h 40 min
